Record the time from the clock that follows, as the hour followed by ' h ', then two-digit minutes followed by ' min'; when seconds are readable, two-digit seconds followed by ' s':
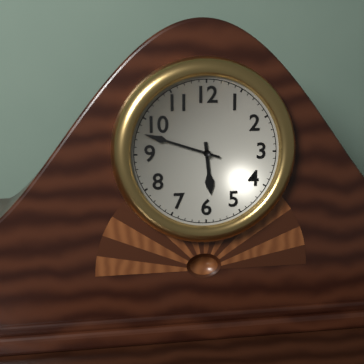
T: 5 h 48 min
